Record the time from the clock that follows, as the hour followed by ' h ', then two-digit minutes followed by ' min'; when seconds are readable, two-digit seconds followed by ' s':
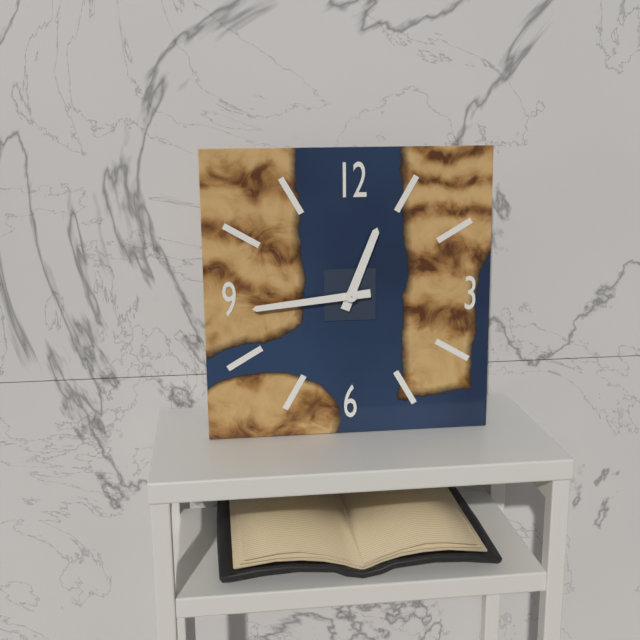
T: 12 h 44 min
